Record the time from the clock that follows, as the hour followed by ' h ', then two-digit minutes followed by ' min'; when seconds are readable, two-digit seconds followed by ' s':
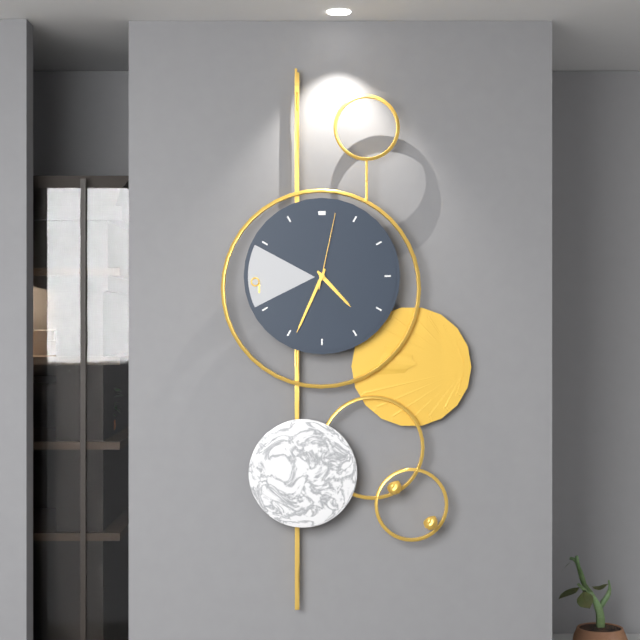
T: 4 h 34 min 02 s
